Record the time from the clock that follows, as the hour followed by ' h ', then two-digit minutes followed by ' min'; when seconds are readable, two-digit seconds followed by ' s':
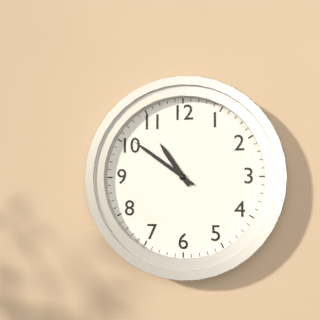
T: 10 h 51 min
